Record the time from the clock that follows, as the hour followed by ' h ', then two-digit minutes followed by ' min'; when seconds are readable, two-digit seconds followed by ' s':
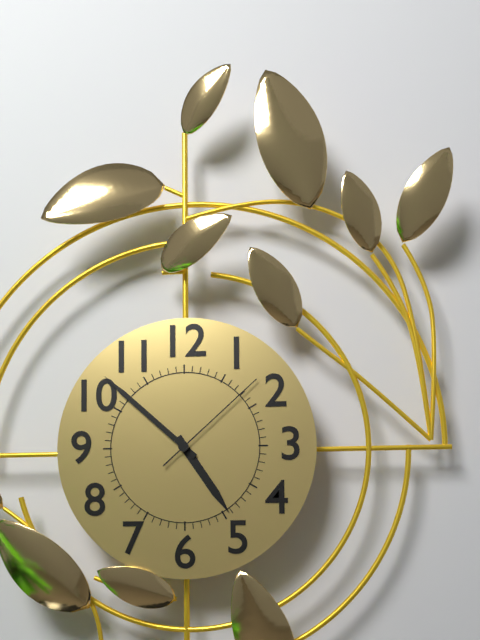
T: 4 h 52 min 08 s
